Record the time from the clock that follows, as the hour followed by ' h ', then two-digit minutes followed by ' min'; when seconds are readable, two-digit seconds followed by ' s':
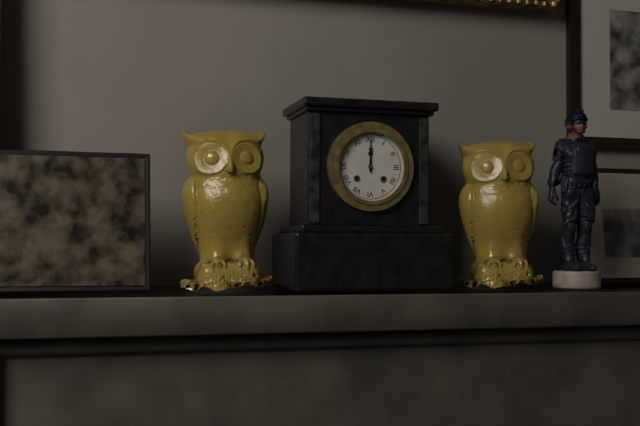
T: 12 h 00 min
